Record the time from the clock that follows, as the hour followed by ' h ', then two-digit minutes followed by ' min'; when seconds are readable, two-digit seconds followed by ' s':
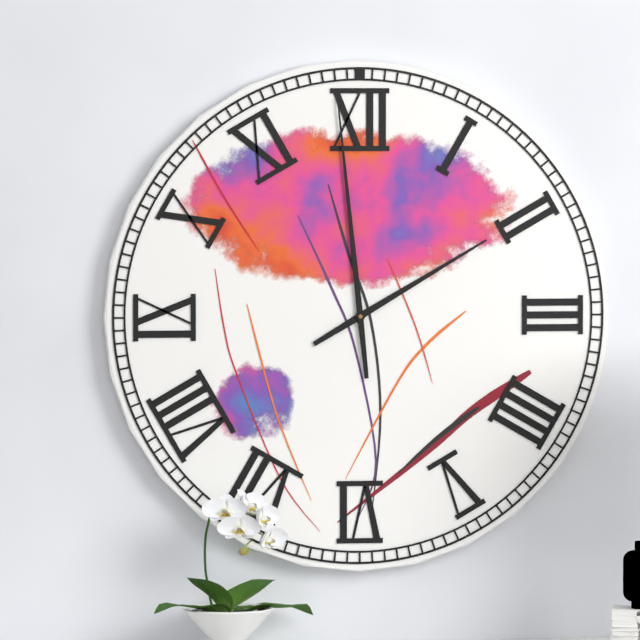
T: 1 h 59 min
